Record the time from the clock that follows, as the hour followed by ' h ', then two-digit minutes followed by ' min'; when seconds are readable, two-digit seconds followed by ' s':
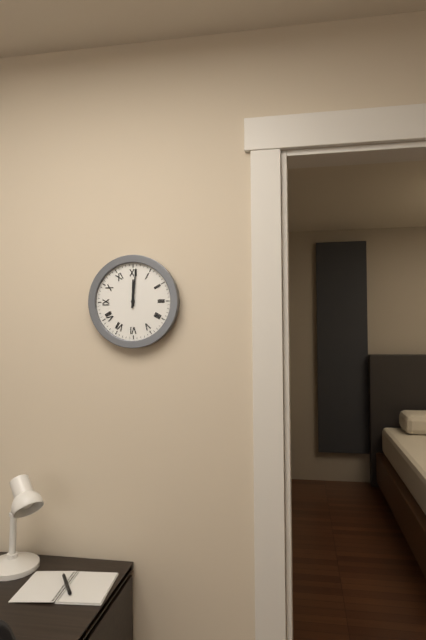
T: 12 h 01 min
